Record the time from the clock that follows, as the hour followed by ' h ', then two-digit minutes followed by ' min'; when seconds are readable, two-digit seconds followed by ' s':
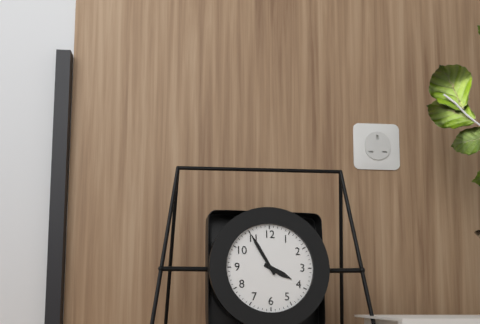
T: 3 h 55 min
